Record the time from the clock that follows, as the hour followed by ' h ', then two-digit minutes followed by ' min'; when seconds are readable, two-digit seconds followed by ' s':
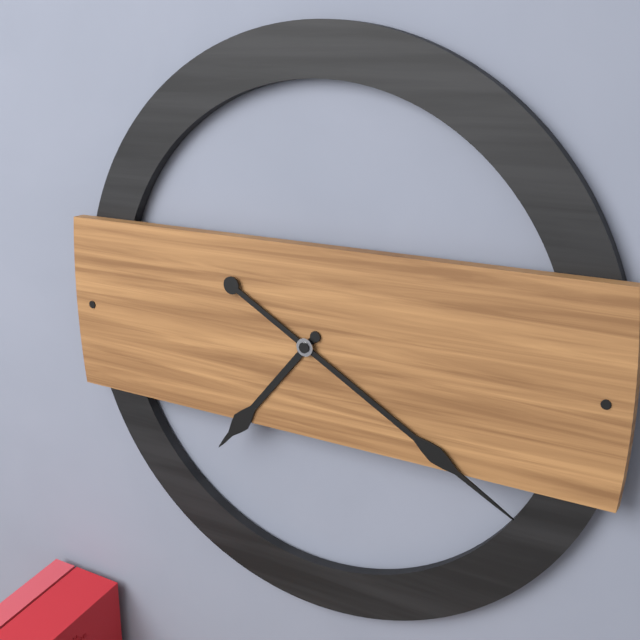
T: 7 h 20 min
